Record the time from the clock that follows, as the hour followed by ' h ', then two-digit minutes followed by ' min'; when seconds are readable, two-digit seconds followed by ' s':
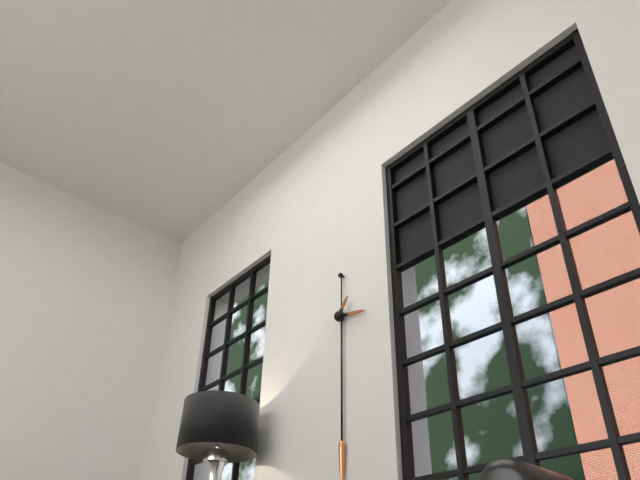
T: 1 h 17 min
